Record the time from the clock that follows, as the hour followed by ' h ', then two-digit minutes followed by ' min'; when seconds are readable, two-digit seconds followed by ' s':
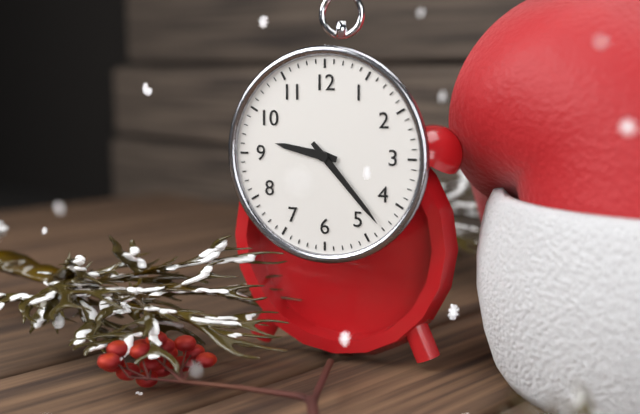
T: 9 h 23 min
